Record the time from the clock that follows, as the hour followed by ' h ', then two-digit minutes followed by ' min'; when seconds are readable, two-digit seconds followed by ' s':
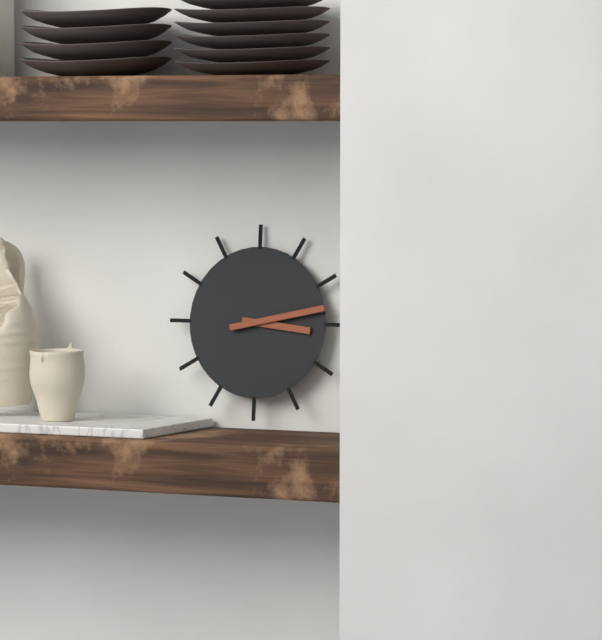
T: 3 h 13 min
